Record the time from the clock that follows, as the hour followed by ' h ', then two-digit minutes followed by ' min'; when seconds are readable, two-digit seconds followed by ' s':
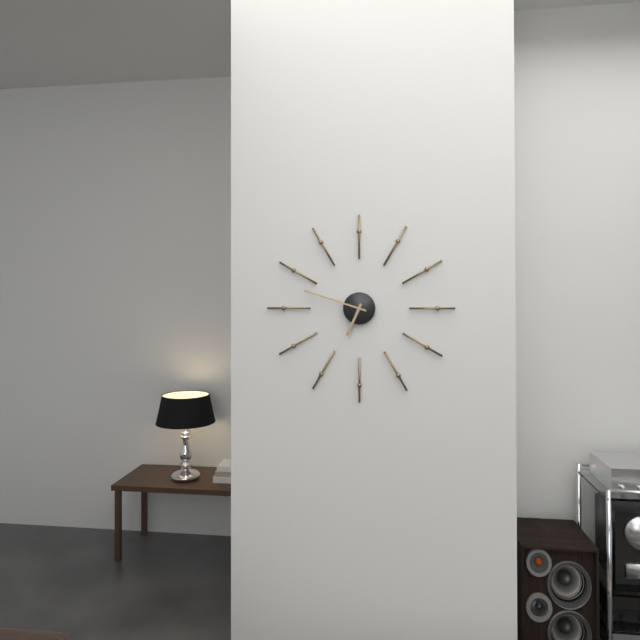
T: 6 h 48 min
